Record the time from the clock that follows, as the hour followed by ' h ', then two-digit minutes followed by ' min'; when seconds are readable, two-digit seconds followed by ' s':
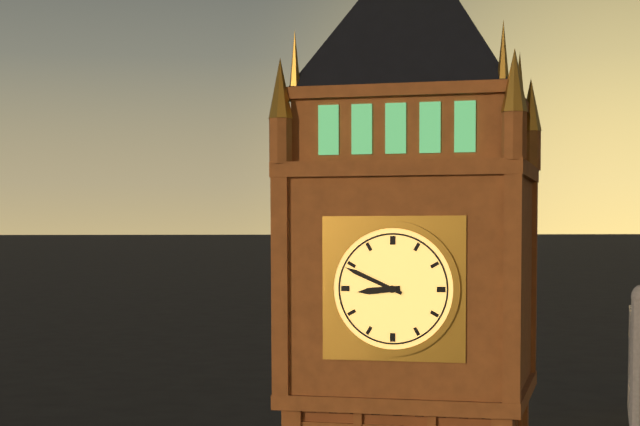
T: 8 h 49 min
